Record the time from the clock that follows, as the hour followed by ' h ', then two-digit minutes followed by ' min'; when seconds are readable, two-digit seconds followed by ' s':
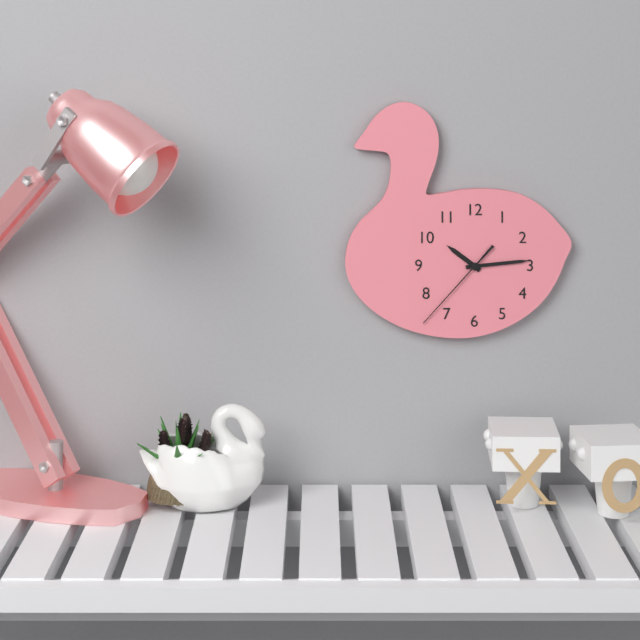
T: 10 h 14 min 37 s
